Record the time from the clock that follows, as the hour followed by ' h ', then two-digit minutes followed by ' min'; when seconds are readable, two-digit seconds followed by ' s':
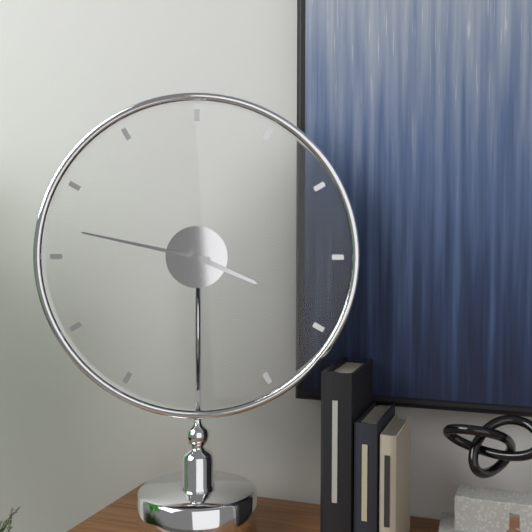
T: 3 h 47 min
